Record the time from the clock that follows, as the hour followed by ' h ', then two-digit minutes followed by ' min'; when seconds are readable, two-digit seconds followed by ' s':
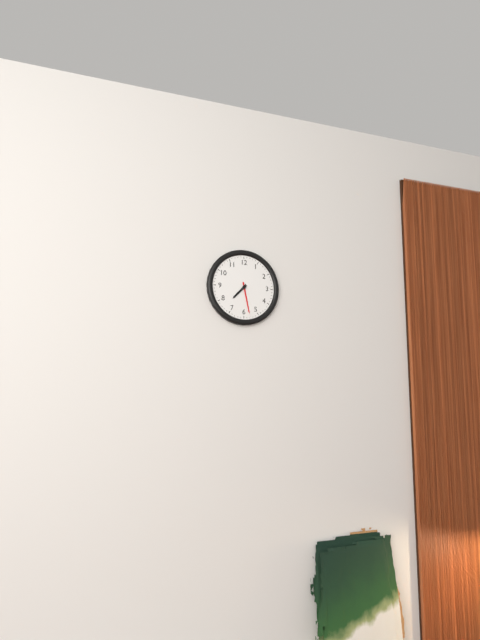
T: 7 h 28 min
